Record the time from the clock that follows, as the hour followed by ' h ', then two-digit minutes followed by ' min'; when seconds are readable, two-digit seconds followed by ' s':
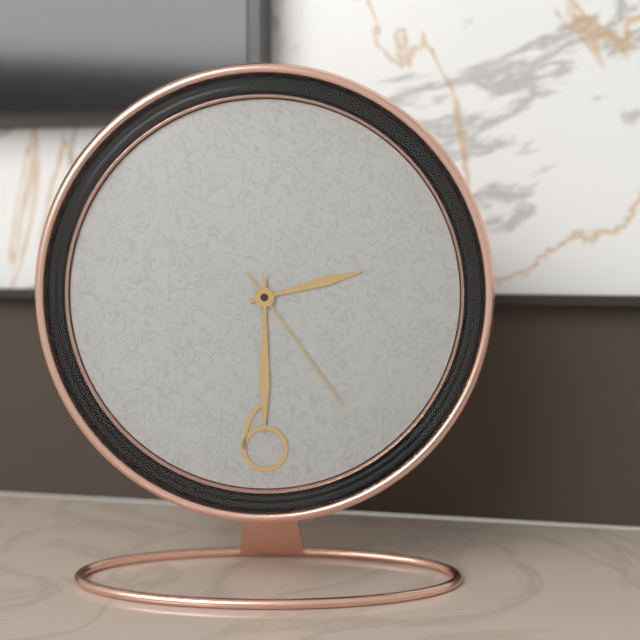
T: 2 h 30 min 24 s
